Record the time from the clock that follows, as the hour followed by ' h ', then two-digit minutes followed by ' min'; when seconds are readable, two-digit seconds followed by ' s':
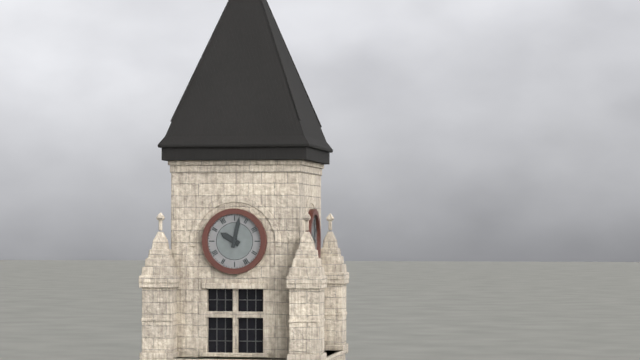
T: 10 h 02 min
